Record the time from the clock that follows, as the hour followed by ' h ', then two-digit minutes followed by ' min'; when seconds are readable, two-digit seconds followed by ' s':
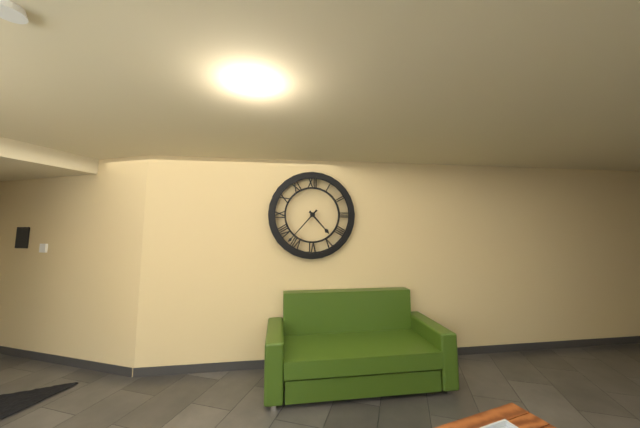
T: 4 h 37 min
